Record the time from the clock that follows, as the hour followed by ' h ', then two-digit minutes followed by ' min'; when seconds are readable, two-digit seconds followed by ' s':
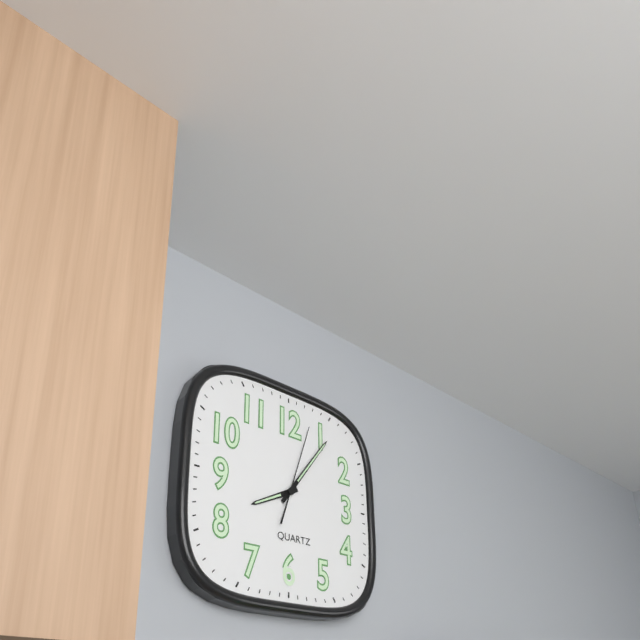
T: 8 h 06 min 03 s
